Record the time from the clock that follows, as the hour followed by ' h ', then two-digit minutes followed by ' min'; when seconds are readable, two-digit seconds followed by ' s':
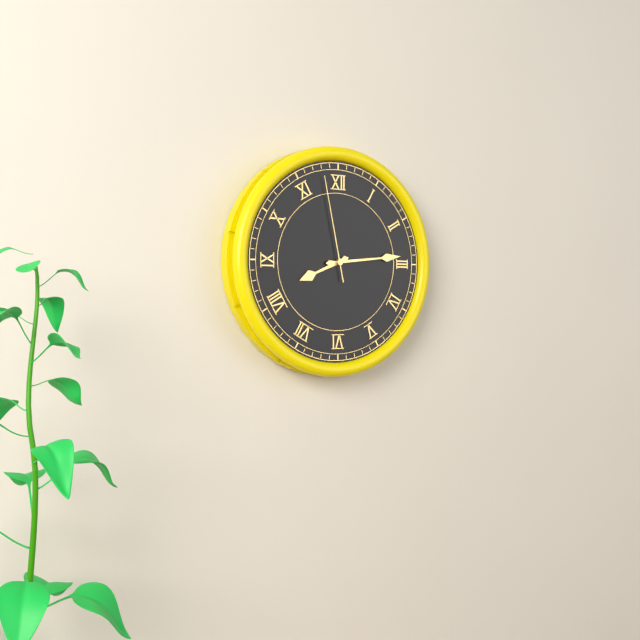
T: 8 h 14 min 58 s
